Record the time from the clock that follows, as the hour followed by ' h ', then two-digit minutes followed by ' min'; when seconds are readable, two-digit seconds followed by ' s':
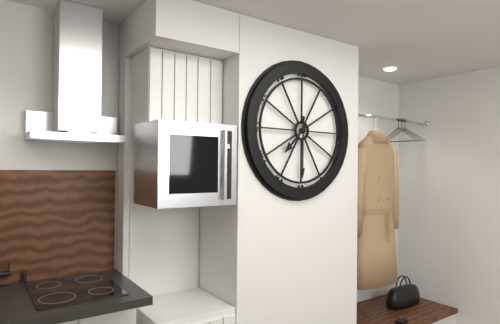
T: 7 h 30 min
